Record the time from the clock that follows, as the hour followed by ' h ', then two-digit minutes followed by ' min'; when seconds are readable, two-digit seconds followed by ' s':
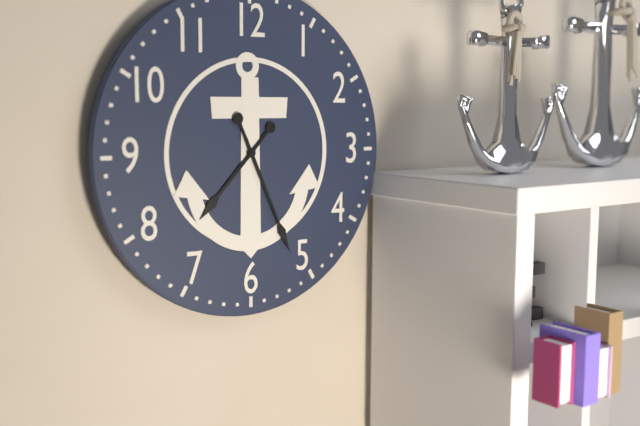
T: 7 h 26 min
